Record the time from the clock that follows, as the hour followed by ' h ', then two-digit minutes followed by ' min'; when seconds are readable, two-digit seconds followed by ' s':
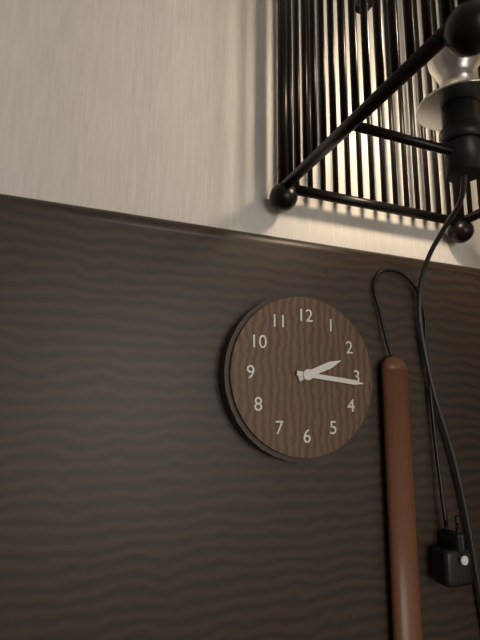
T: 2 h 16 min
